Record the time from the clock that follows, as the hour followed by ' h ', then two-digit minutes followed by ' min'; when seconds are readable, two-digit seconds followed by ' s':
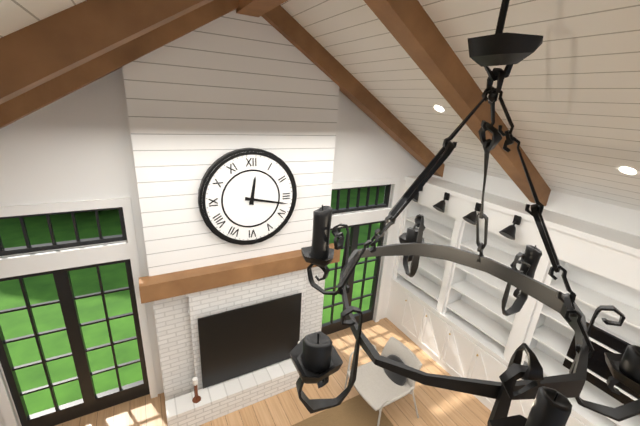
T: 12 h 17 min
